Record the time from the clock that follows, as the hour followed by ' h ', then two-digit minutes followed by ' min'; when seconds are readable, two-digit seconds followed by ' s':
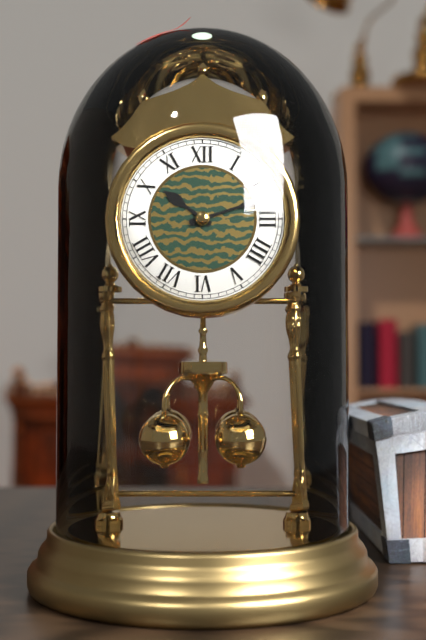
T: 10 h 12 min
